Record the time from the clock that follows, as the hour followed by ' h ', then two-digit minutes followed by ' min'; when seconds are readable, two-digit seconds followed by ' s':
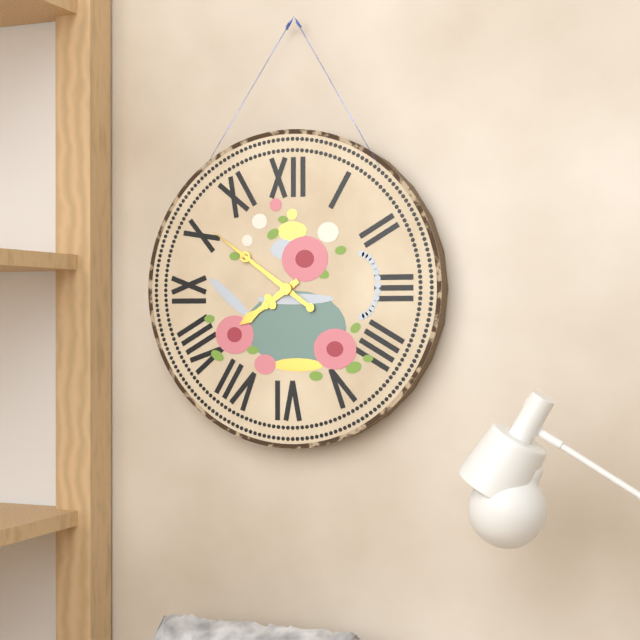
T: 7 h 51 min
